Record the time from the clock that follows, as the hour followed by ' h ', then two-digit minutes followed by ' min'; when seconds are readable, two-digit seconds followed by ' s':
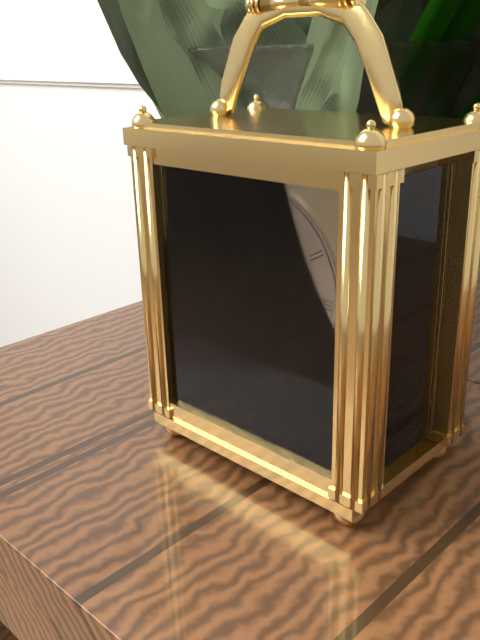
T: 8 h 19 min
